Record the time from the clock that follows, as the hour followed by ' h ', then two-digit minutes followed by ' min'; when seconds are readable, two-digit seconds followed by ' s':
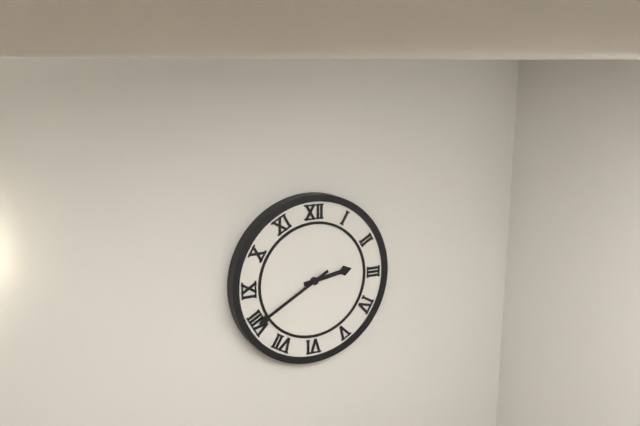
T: 2 h 40 min
